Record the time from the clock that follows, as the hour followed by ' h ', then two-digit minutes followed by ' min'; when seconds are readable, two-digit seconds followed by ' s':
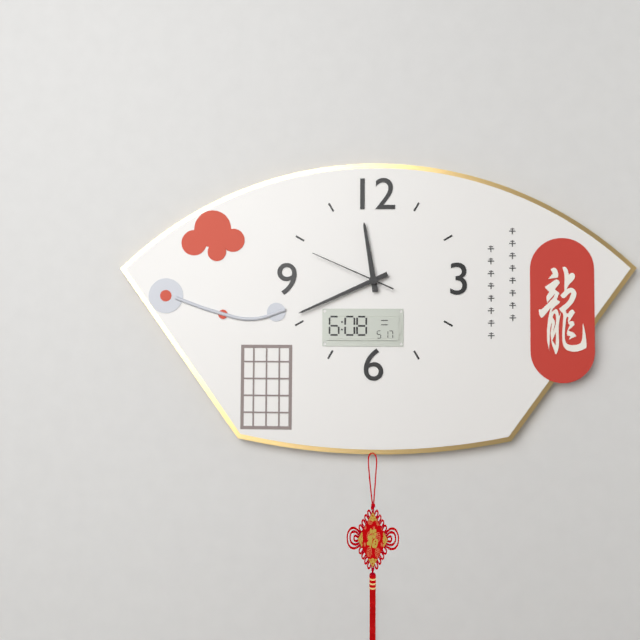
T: 11 h 41 min 49 s
